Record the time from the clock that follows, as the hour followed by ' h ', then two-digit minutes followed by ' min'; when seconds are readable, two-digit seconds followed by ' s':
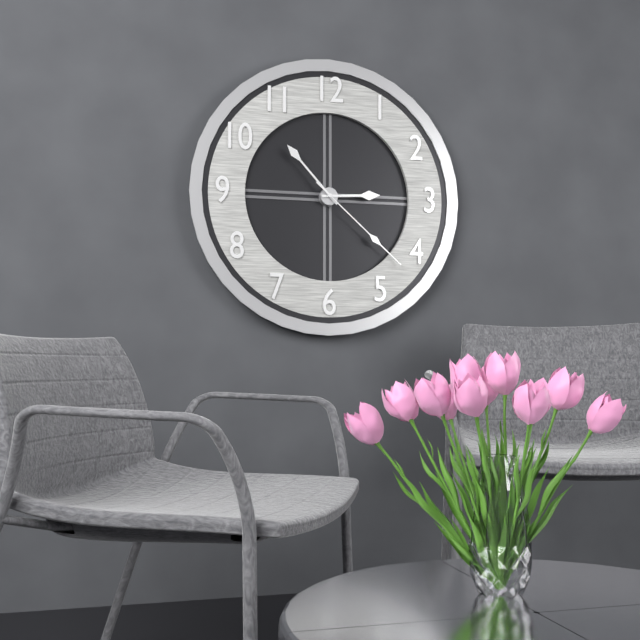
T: 2 h 53 min 22 s
